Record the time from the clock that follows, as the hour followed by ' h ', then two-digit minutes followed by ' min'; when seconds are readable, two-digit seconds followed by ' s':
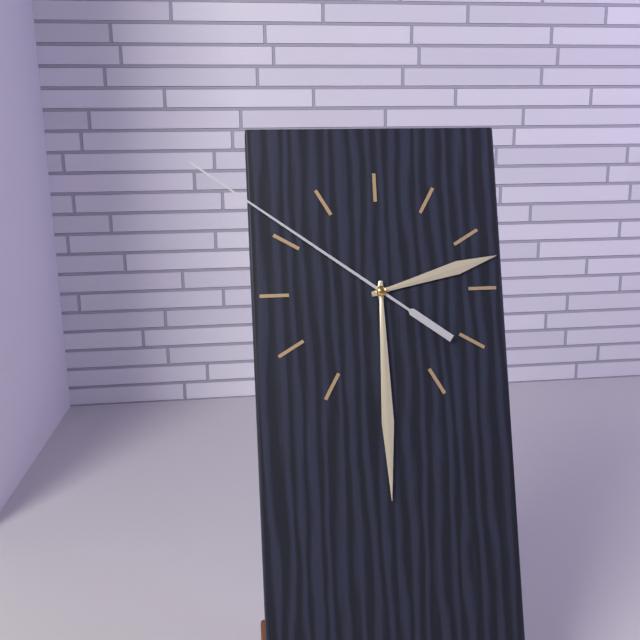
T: 2 h 30 min 51 s
